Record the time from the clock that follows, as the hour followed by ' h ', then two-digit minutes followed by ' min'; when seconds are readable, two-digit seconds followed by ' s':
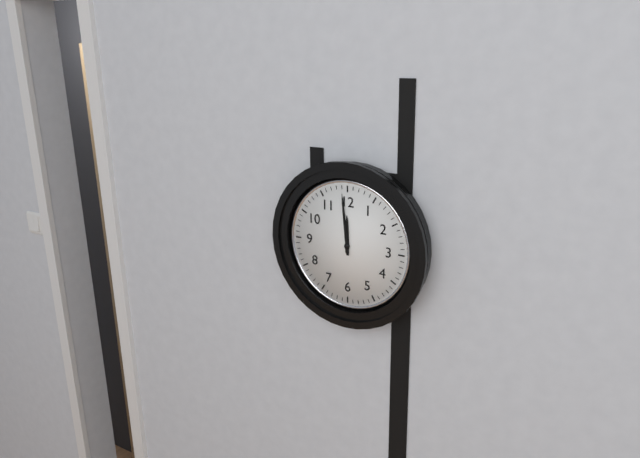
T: 11 h 59 min
